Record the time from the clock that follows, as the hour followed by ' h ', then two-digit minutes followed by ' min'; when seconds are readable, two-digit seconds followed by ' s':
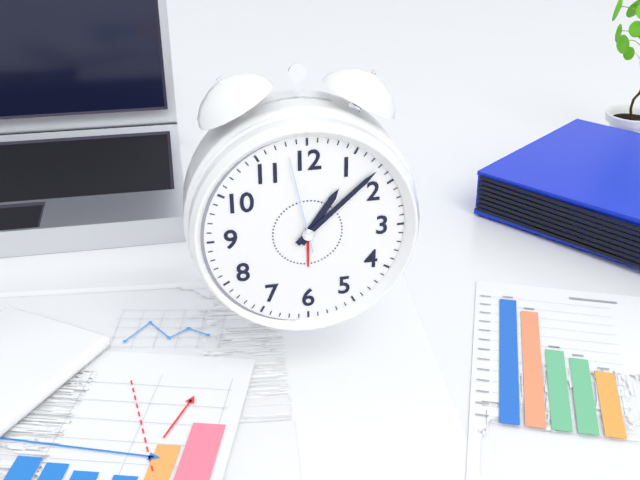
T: 1 h 08 min 58 s
